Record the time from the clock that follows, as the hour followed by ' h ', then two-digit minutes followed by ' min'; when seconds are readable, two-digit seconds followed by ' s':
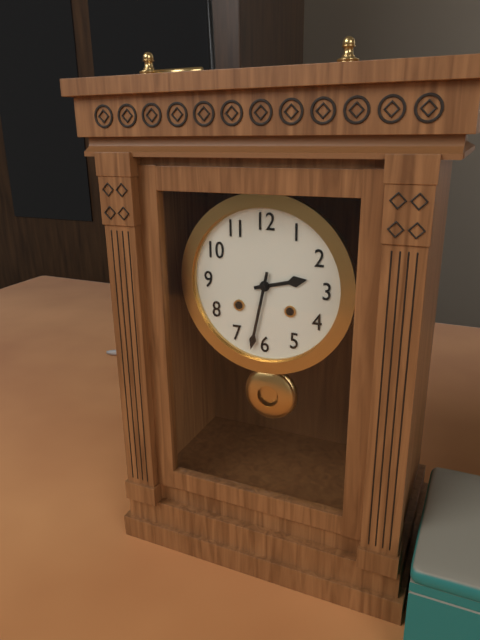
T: 2 h 32 min
